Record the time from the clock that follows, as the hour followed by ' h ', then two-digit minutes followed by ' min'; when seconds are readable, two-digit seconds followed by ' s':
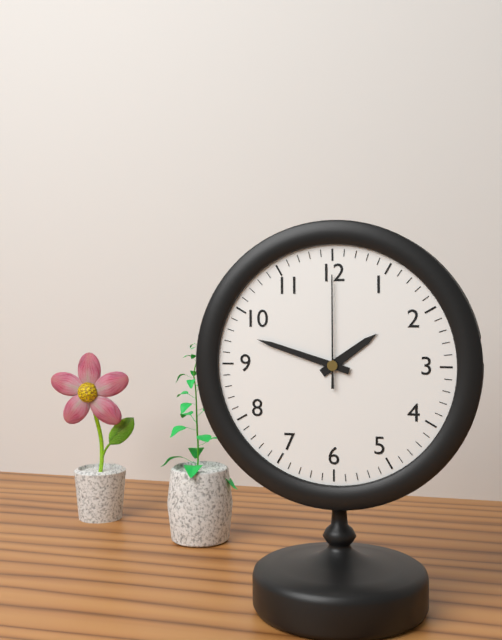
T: 1 h 48 min 00 s
